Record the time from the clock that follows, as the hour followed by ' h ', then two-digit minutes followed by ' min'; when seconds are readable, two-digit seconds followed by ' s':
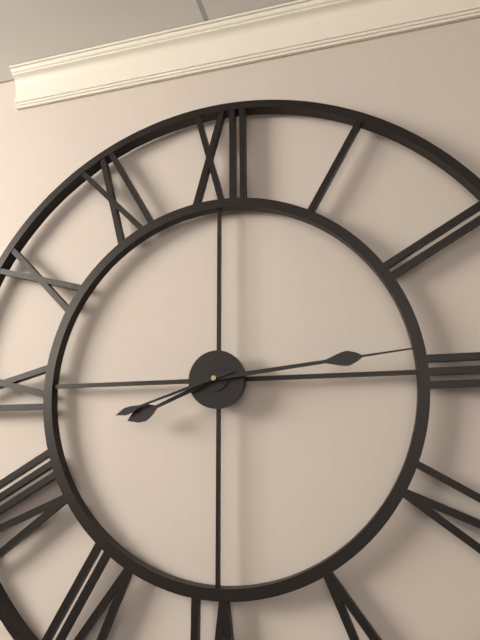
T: 8 h 14 min 42 s
